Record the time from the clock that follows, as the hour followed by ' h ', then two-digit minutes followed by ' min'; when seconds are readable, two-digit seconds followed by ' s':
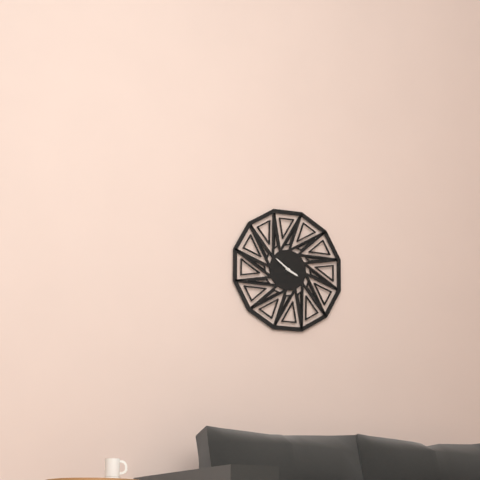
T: 3 h 51 min
